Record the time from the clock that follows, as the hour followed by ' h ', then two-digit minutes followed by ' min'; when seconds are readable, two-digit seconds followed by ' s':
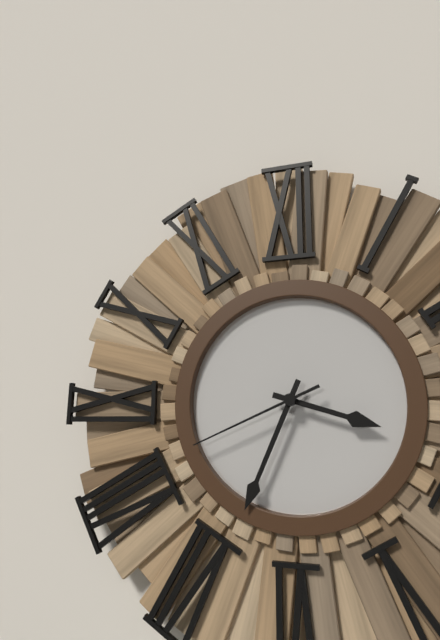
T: 3 h 34 min 41 s
